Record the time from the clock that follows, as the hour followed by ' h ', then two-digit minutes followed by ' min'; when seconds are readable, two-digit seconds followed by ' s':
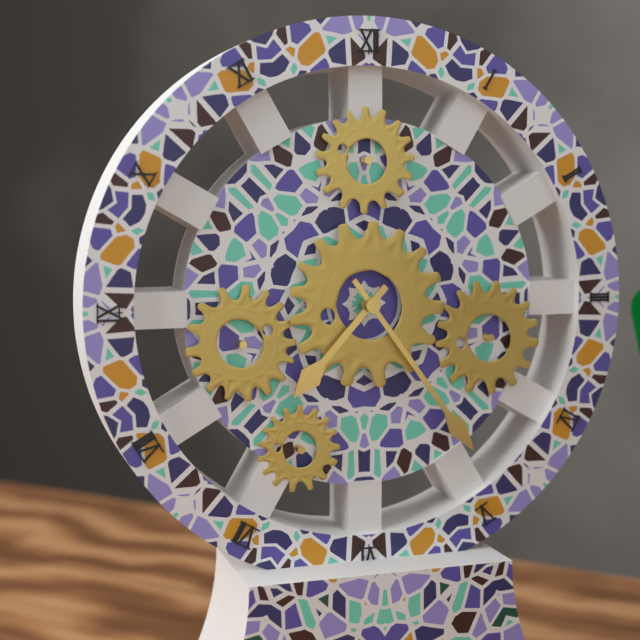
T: 7 h 24 min
